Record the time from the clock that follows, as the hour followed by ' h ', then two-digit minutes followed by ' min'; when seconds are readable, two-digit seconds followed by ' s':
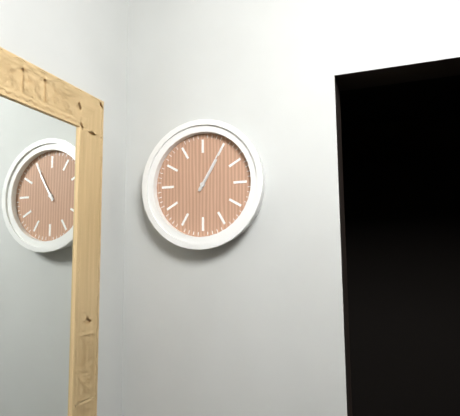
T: 1 h 05 min
